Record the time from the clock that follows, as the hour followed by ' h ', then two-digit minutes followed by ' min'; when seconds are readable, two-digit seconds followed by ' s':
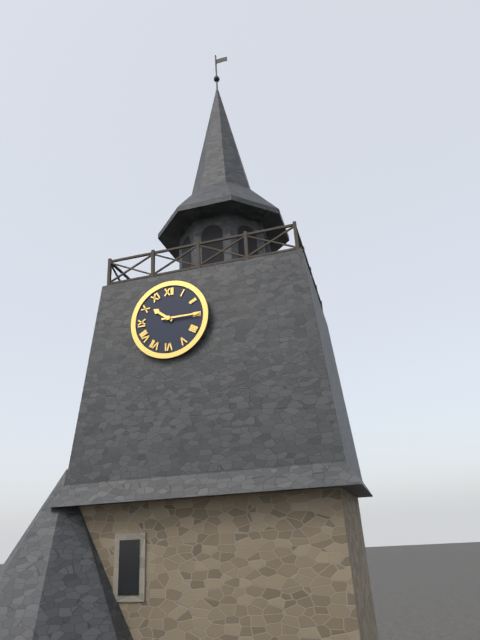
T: 10 h 15 min
